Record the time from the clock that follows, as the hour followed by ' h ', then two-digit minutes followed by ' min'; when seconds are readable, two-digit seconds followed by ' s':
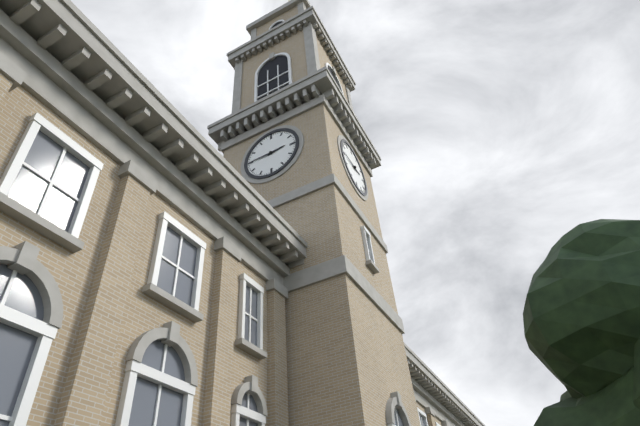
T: 2 h 45 min
